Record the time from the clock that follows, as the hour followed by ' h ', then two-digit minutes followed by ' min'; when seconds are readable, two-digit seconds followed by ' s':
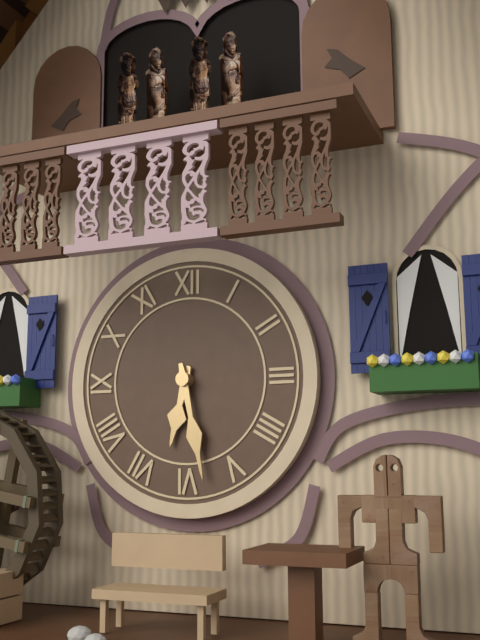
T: 6 h 28 min
